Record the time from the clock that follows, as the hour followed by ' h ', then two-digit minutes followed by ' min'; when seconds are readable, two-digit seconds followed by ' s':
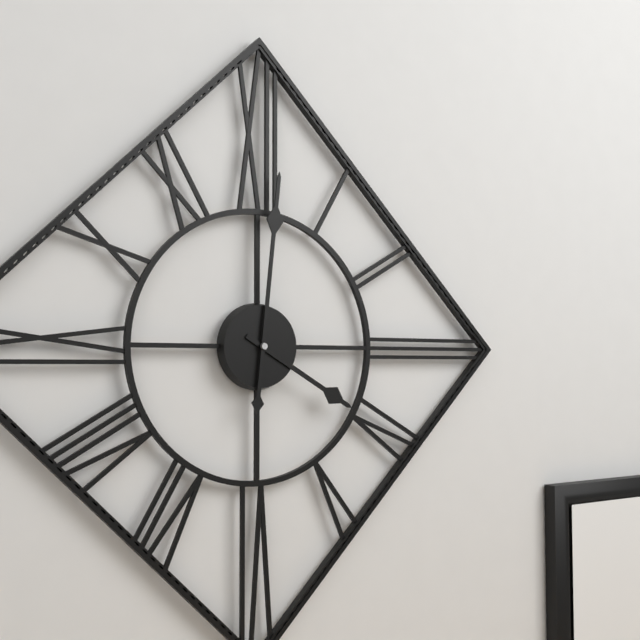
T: 4 h 01 min
